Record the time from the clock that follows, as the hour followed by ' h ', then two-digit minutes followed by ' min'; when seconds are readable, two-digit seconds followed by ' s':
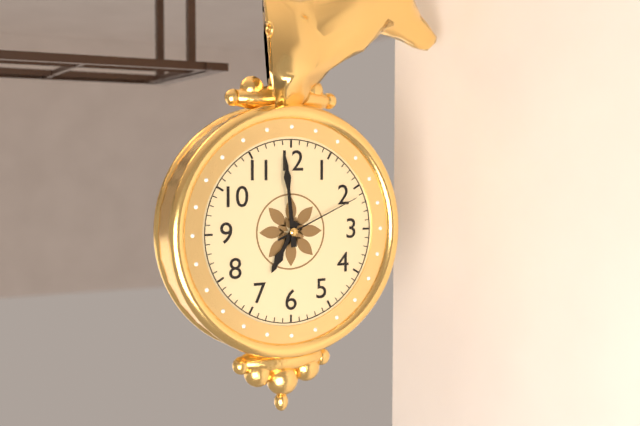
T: 6 h 59 min 11 s
